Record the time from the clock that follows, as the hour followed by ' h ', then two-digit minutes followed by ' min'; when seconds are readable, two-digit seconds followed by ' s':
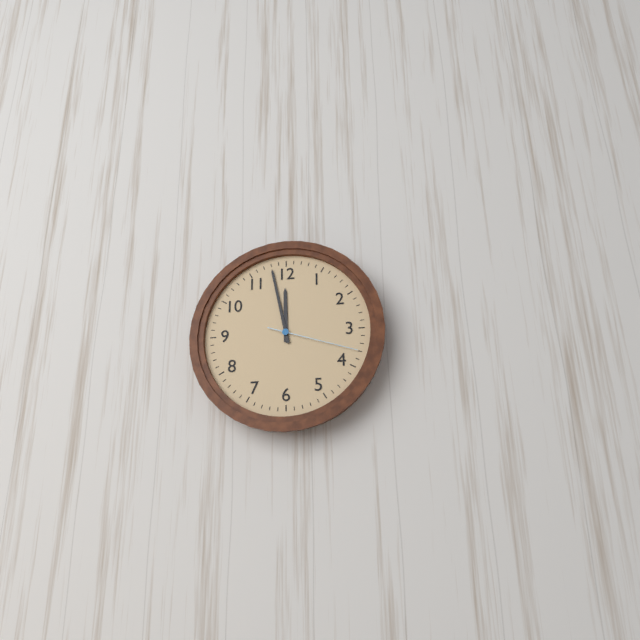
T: 11 h 58 min 18 s
